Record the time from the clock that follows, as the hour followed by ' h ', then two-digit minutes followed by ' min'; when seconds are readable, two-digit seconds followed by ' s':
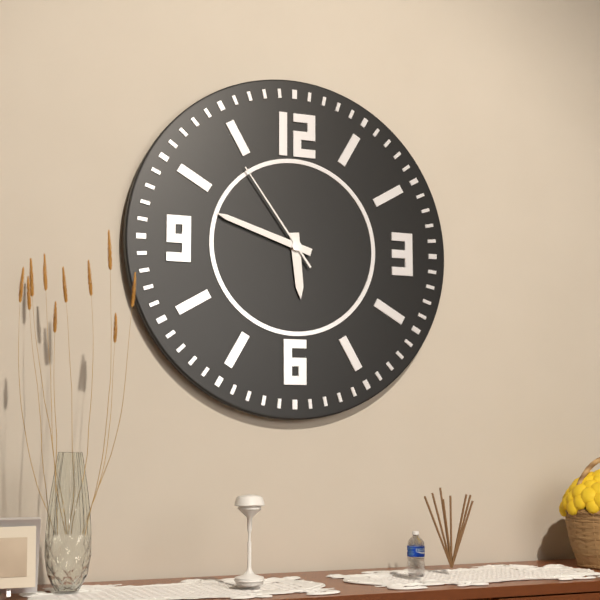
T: 5 h 48 min 54 s
